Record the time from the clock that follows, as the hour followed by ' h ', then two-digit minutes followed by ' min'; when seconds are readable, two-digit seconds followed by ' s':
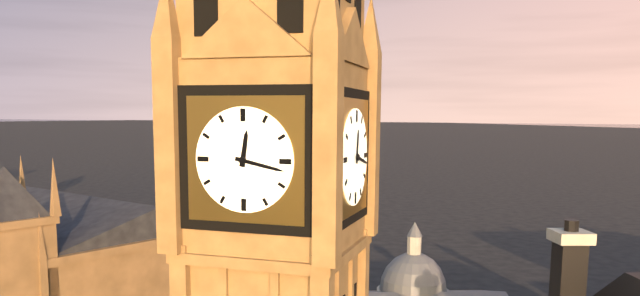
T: 12 h 17 min
